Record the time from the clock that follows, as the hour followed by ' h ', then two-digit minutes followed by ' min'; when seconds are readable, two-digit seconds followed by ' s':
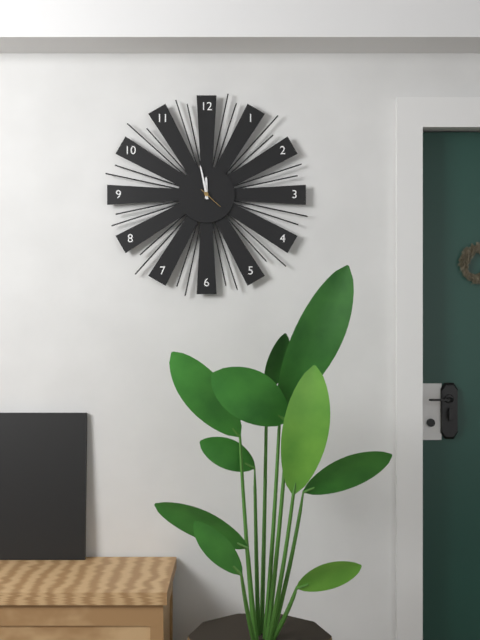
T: 11 h 58 min
